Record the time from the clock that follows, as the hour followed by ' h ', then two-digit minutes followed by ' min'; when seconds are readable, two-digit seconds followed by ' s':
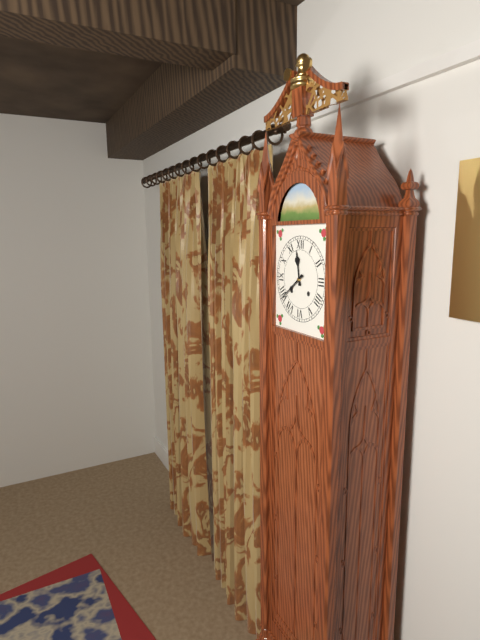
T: 11 h 39 min
